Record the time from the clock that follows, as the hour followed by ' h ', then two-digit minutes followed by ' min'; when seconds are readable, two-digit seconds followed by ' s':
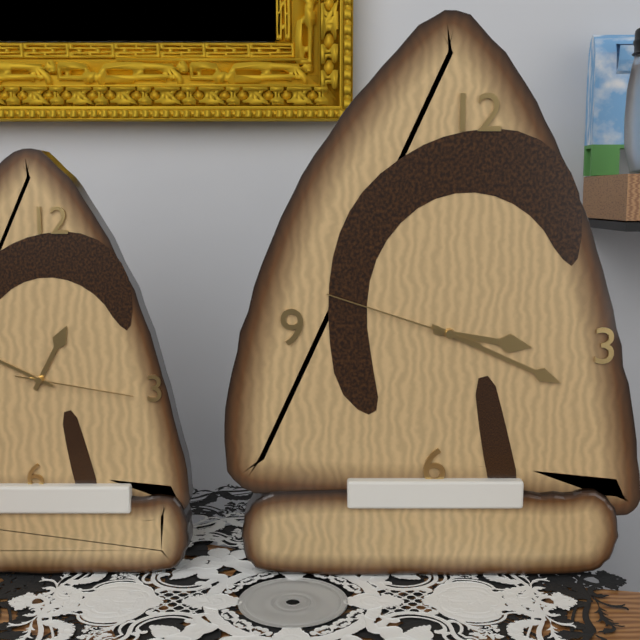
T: 3 h 19 min 48 s
